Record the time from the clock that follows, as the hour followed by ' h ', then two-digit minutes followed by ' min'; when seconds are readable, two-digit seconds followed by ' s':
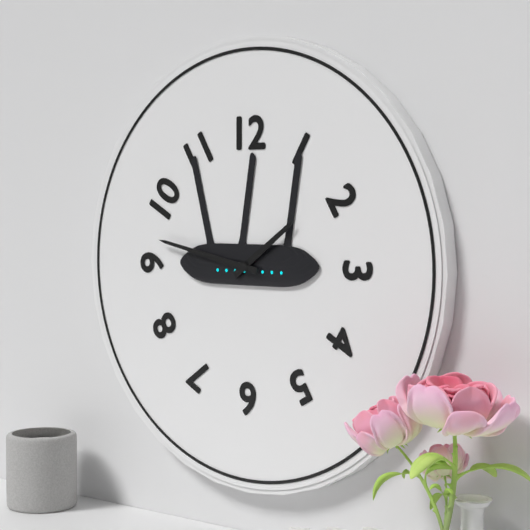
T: 1 h 47 min
